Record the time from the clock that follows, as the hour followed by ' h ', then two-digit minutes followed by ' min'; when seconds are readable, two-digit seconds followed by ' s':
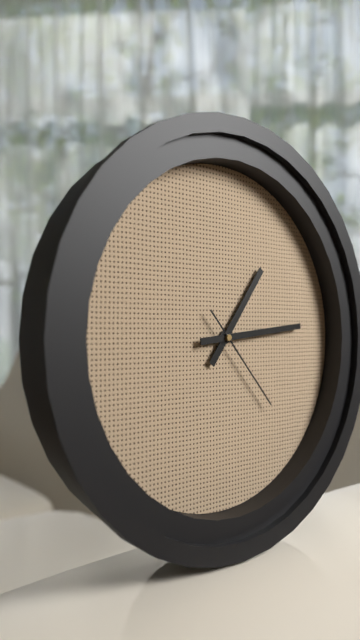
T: 1 h 14 min 23 s
